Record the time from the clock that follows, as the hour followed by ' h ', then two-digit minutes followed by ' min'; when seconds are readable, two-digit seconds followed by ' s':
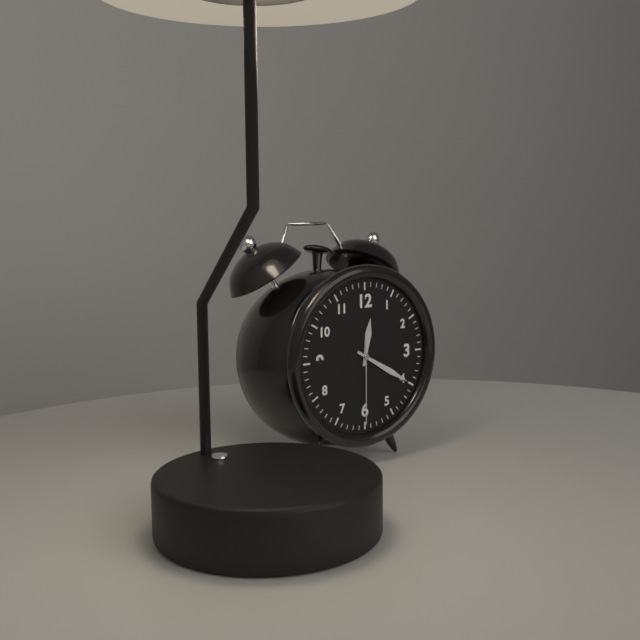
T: 12 h 20 min 30 s
